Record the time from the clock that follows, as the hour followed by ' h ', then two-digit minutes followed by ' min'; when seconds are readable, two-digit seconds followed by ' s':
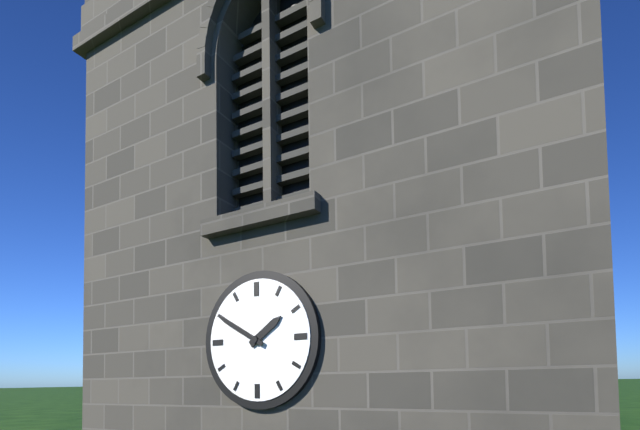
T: 1 h 50 min
